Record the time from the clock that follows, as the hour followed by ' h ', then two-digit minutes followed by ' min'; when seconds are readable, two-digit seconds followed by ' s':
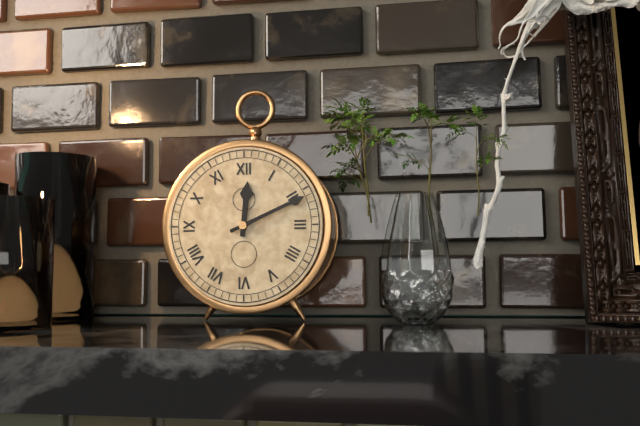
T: 12 h 11 min
